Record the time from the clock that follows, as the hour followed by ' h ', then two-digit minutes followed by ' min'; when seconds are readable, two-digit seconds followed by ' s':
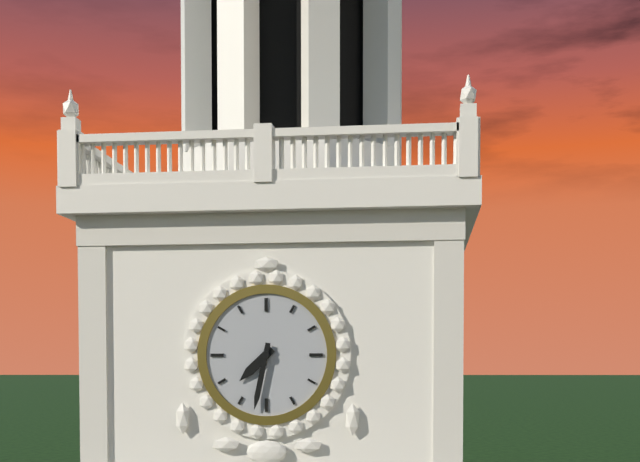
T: 7 h 32 min
